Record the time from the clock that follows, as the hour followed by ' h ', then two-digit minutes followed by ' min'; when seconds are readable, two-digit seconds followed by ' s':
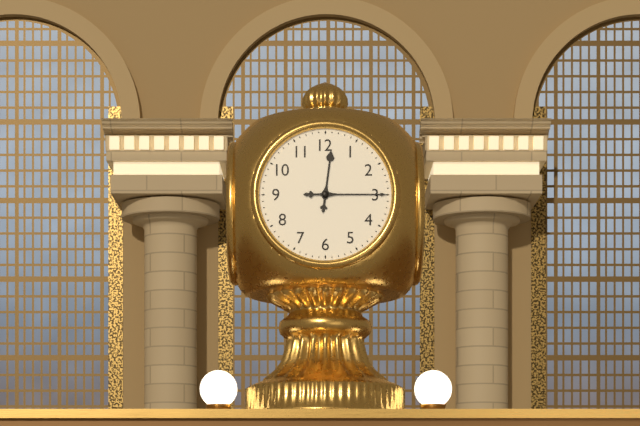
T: 12 h 15 min
